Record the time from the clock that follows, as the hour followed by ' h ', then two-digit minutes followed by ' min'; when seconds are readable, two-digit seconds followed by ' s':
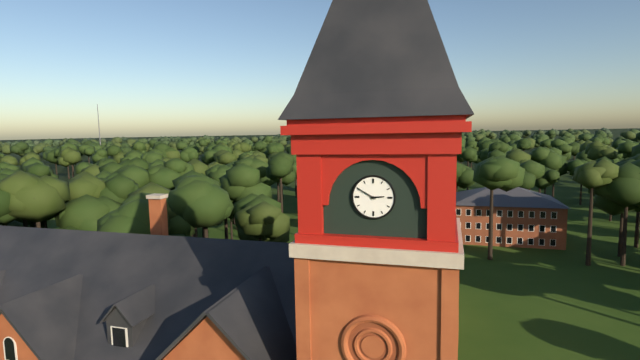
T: 2 h 50 min
